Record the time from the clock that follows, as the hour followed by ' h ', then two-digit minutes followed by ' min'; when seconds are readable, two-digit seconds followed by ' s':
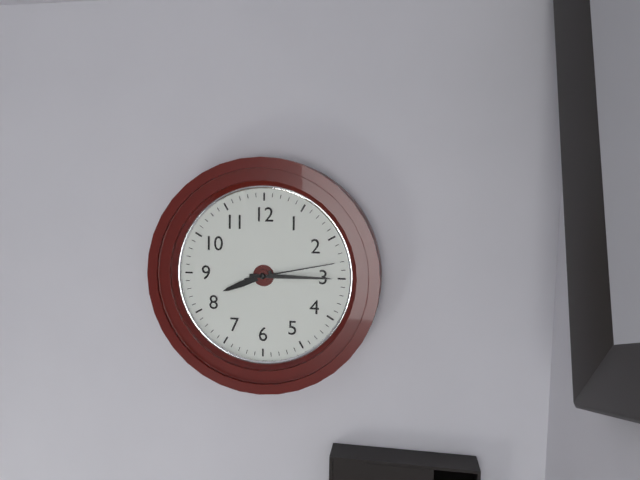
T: 8 h 15 min 13 s
